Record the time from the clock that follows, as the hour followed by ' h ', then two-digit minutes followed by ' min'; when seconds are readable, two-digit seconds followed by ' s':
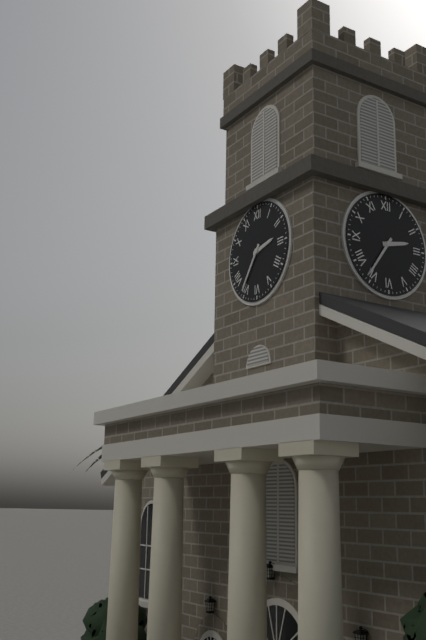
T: 2 h 36 min
